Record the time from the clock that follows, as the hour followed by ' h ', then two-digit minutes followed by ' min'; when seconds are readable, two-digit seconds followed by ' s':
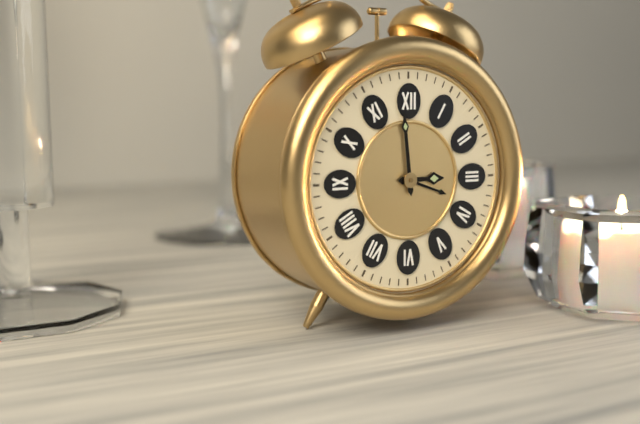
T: 2 h 59 min
